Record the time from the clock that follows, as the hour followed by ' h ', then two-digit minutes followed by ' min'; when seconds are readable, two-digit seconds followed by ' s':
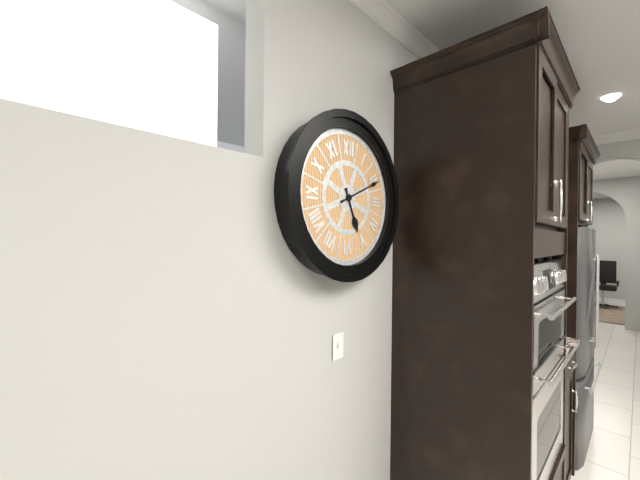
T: 5 h 11 min
